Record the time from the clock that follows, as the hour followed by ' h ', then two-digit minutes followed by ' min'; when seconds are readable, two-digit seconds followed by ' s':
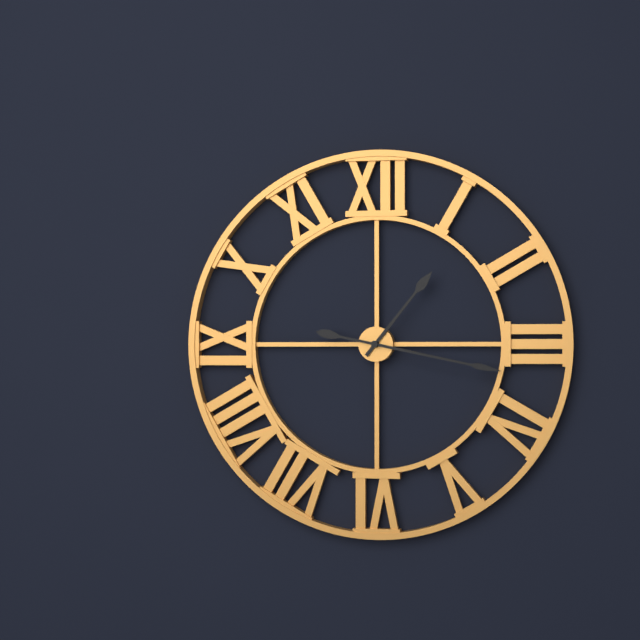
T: 1 h 17 min
